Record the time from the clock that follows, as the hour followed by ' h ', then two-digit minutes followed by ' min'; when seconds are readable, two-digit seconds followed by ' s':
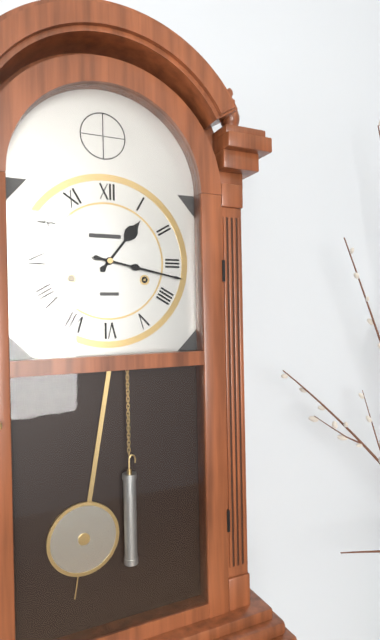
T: 1 h 17 min
